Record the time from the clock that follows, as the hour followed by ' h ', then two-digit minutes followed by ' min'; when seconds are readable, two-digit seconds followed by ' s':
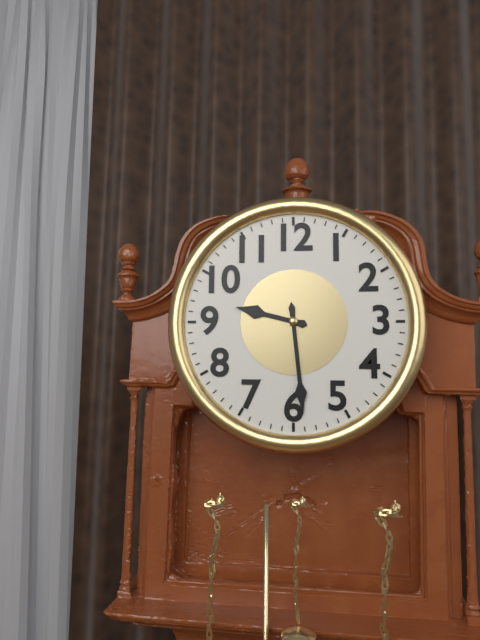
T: 9 h 29 min
